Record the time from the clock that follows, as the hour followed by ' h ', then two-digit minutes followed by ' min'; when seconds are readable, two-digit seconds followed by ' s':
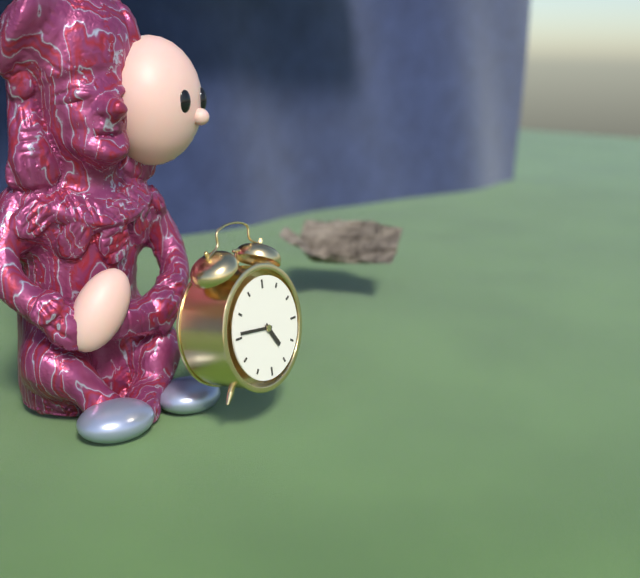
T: 4 h 46 min
